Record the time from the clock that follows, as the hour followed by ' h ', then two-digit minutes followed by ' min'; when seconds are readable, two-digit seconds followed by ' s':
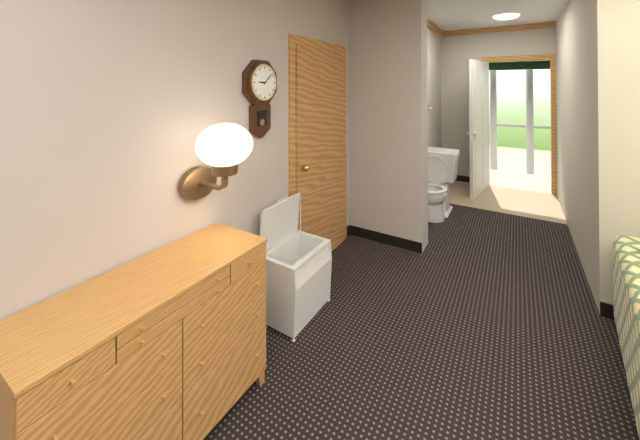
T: 9 h 08 min
